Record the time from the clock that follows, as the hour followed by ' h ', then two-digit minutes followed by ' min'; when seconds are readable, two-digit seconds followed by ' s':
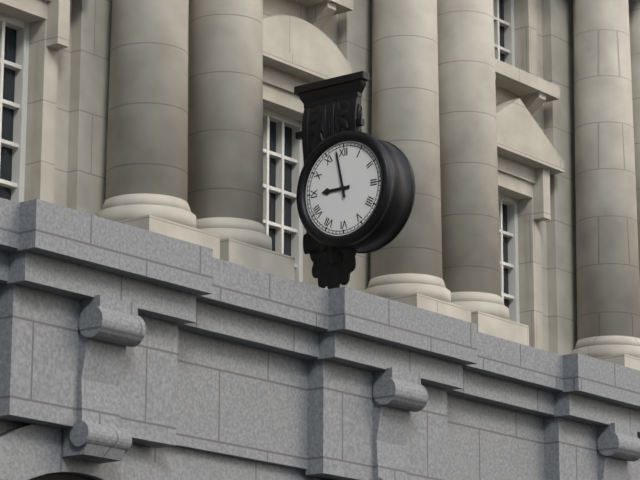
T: 8 h 58 min
